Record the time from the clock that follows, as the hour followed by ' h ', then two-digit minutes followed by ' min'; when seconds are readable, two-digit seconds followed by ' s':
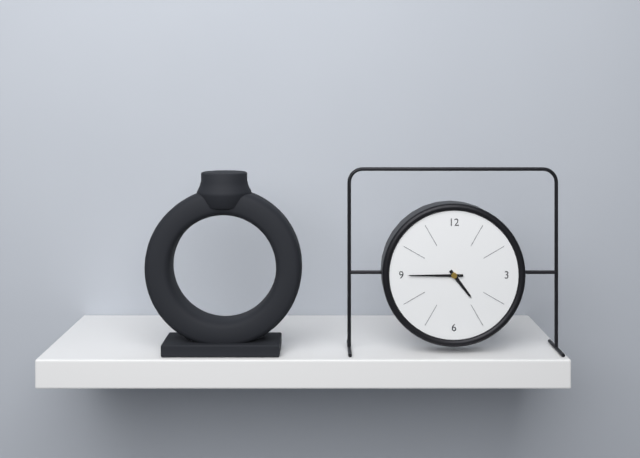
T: 4 h 45 min
